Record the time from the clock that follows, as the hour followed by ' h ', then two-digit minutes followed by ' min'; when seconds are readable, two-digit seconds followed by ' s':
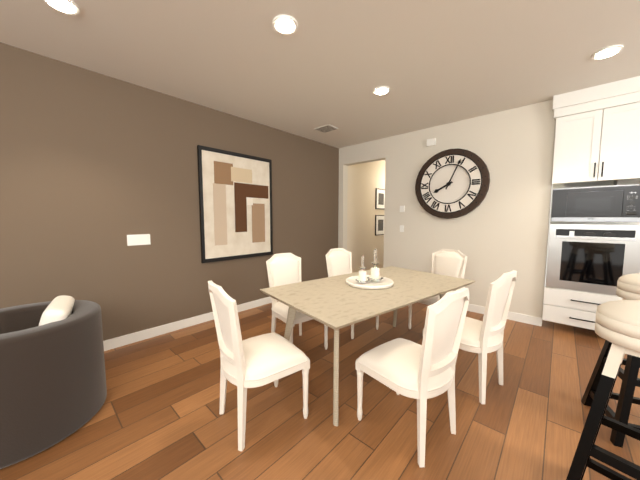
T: 8 h 04 min
